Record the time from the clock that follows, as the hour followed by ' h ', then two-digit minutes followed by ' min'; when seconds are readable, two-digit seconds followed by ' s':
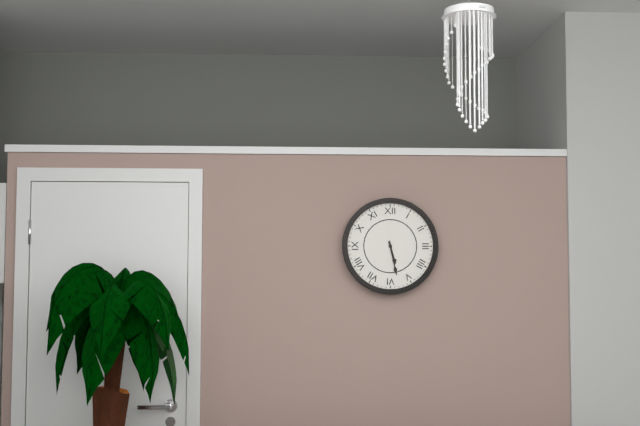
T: 5 h 28 min
